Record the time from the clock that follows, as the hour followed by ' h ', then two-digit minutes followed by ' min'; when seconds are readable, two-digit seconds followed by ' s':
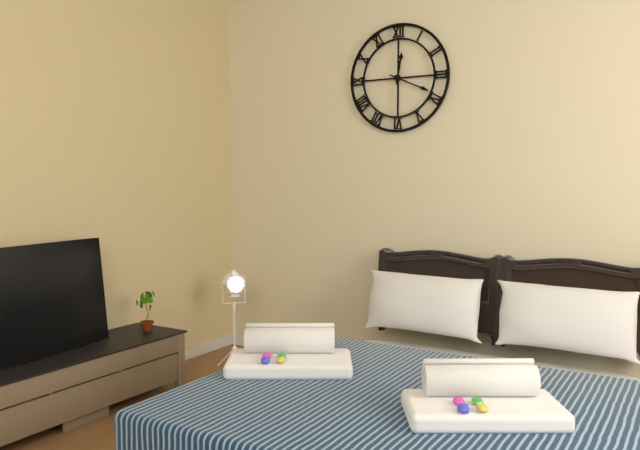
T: 12 h 19 min
